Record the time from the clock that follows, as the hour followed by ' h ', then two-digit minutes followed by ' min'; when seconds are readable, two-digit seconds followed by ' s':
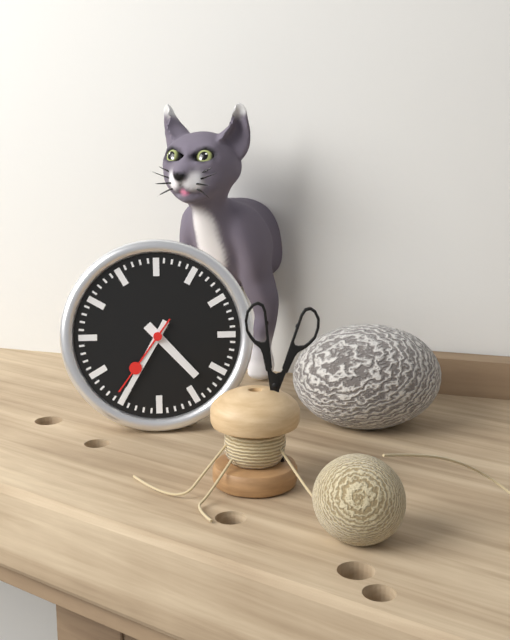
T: 4 h 35 min 36 s
